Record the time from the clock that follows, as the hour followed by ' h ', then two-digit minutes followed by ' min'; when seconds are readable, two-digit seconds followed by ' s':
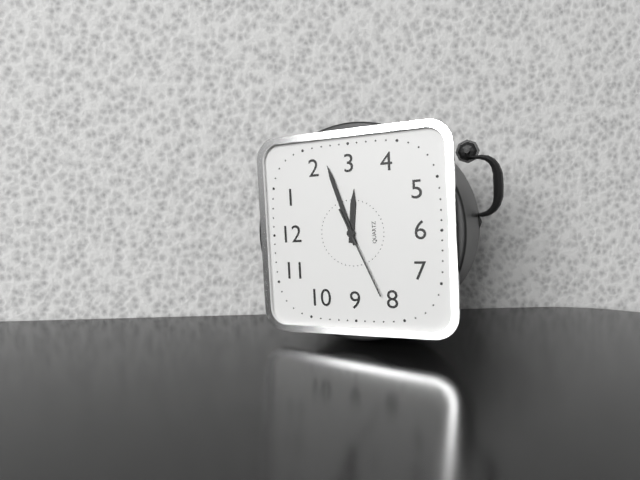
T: 3 h 12 min 41 s
